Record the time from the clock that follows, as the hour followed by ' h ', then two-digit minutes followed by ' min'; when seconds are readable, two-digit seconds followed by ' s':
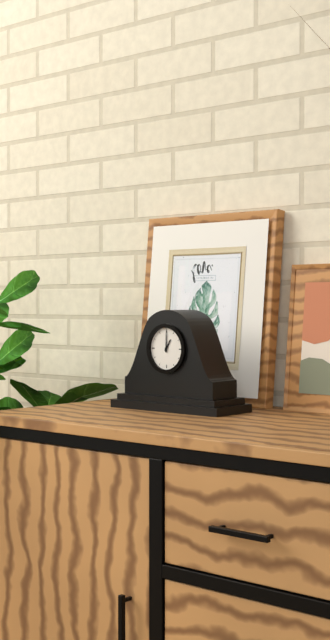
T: 1 h 00 min
